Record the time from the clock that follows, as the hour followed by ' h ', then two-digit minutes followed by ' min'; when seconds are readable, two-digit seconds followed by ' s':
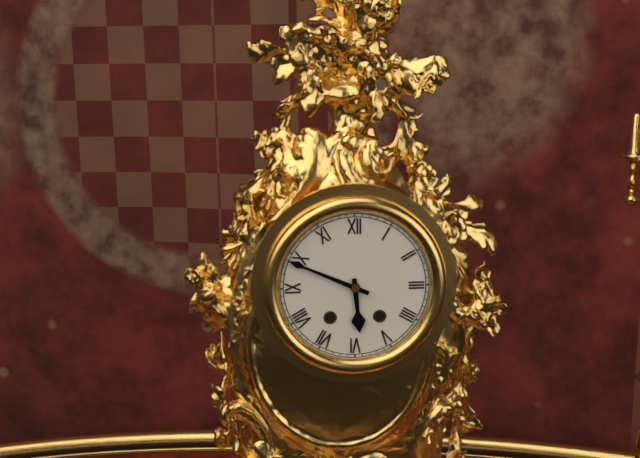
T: 5 h 49 min
